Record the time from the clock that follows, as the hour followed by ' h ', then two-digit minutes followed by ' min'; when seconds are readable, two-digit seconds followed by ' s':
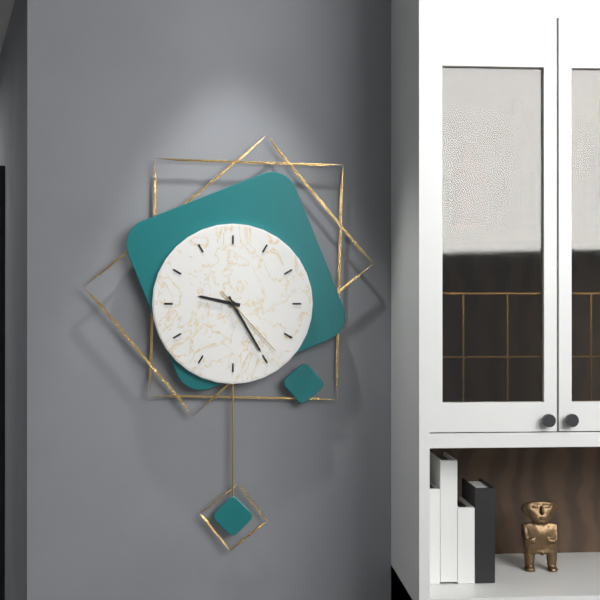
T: 9 h 25 min 23 s
